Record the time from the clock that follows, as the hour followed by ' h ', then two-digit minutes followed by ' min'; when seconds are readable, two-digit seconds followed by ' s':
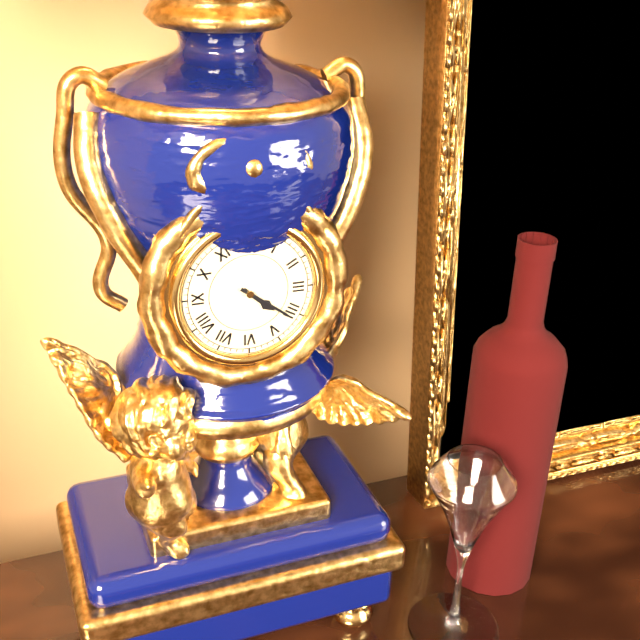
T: 4 h 21 min
